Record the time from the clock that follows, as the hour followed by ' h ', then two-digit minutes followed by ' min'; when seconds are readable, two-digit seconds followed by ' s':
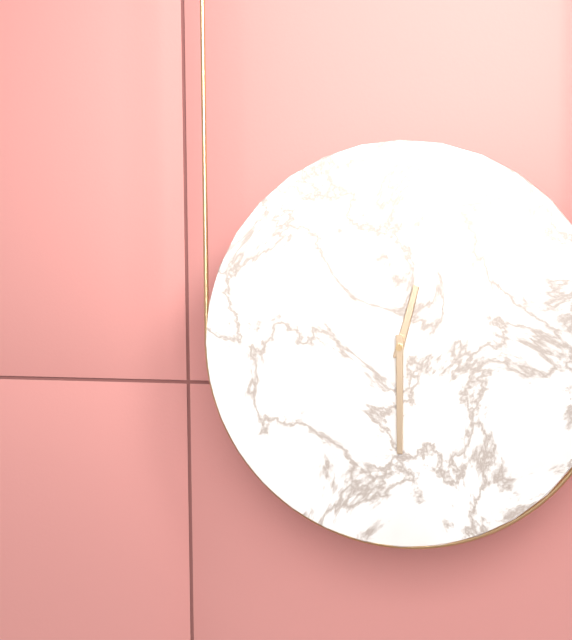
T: 12 h 30 min
